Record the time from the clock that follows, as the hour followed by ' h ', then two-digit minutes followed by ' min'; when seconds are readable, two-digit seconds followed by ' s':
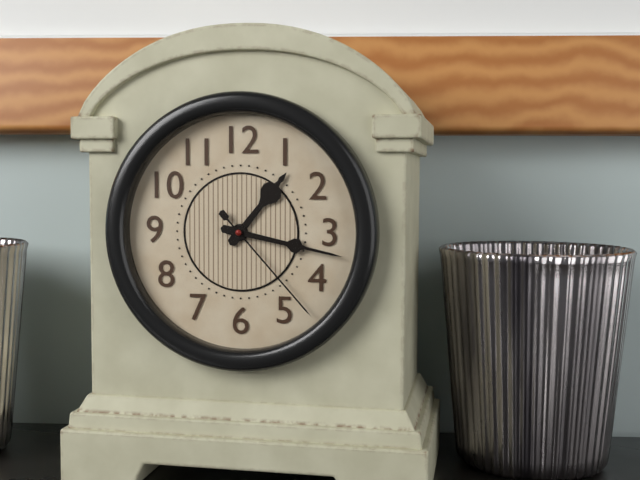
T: 1 h 17 min 23 s
